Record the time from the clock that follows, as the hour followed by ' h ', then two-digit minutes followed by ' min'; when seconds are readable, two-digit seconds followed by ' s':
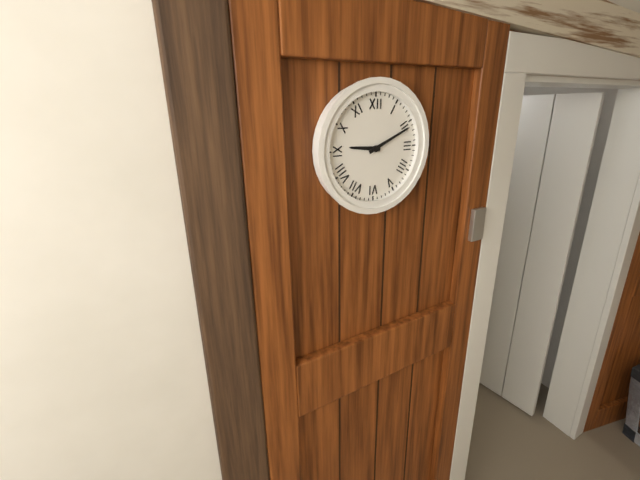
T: 9 h 11 min
